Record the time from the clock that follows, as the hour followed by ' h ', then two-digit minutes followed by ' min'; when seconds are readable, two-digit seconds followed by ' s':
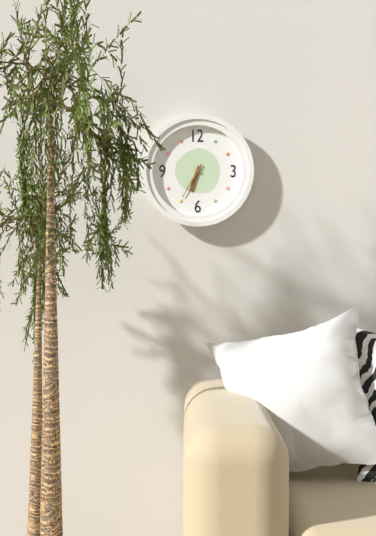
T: 6 h 35 min
